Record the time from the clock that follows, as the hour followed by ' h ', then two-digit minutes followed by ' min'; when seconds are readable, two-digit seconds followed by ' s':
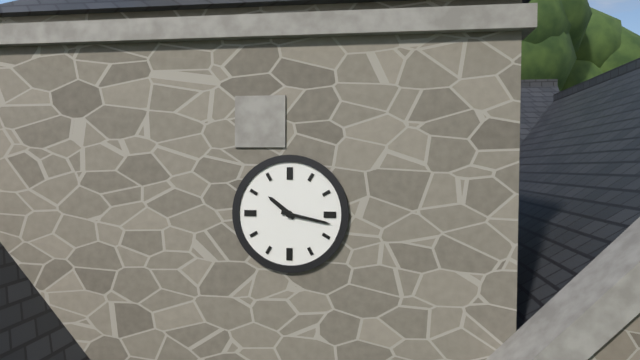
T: 10 h 17 min
